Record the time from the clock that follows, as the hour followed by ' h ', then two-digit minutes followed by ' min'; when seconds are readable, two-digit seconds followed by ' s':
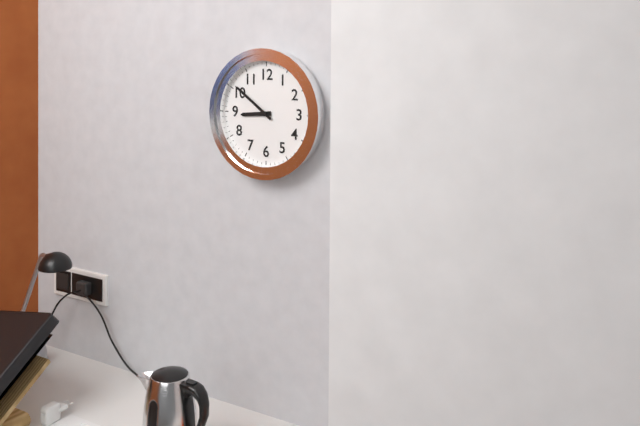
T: 8 h 51 min
